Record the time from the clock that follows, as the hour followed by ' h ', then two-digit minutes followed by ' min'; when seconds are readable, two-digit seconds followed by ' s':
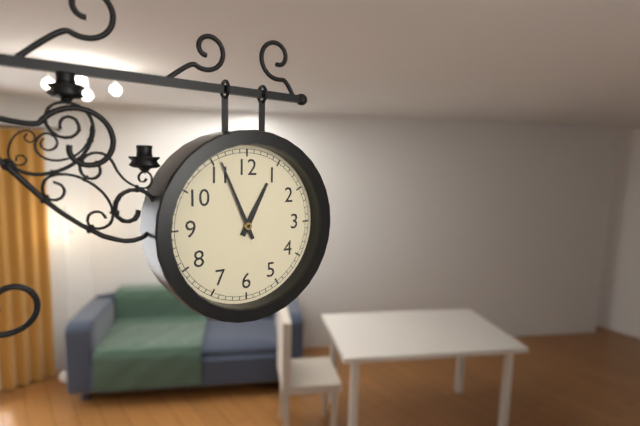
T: 12 h 56 min
